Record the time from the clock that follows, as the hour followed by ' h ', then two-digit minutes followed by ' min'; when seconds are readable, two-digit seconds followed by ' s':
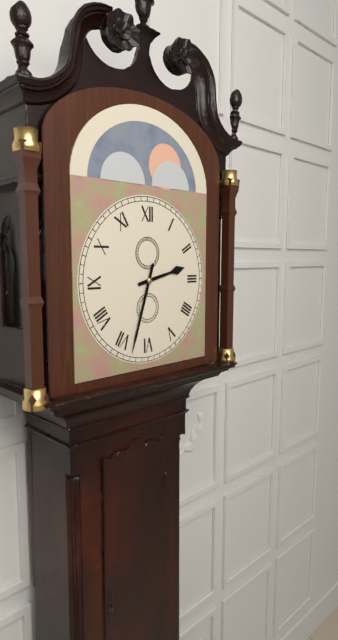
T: 2 h 33 min
